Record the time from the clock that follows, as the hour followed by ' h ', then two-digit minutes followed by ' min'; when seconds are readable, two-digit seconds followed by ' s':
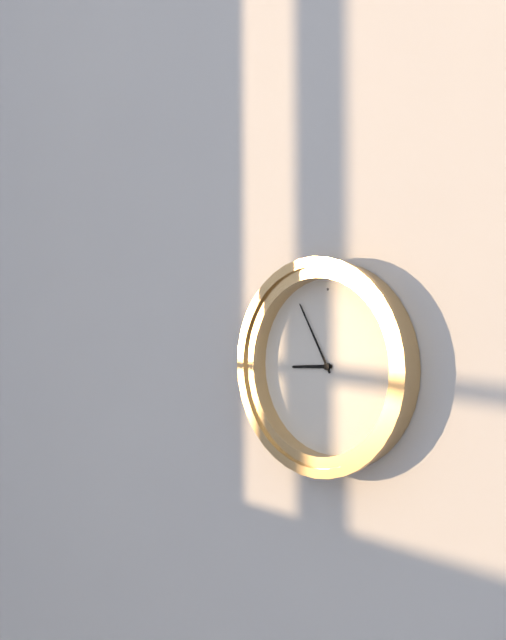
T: 8 h 55 min
